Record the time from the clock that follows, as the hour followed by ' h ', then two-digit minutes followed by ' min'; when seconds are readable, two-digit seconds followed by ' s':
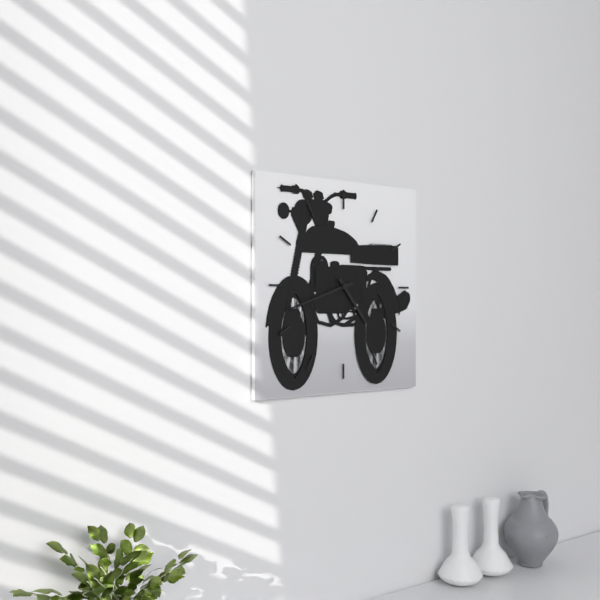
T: 4 h 42 min
